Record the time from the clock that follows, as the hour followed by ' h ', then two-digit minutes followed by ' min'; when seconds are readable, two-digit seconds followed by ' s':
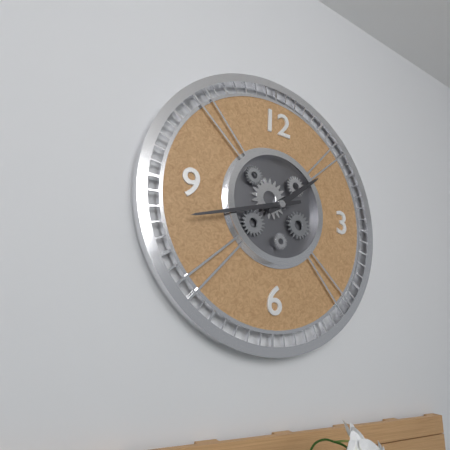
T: 1 h 42 min
